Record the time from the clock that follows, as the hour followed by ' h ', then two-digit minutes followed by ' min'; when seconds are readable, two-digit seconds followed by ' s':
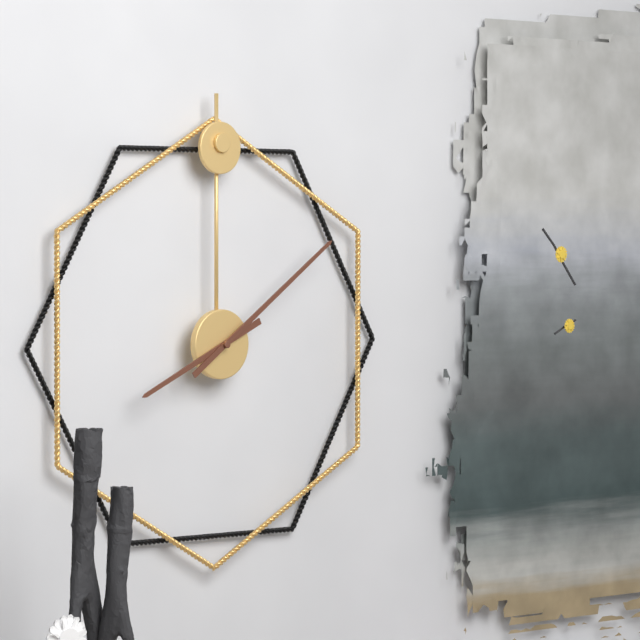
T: 8 h 09 min
